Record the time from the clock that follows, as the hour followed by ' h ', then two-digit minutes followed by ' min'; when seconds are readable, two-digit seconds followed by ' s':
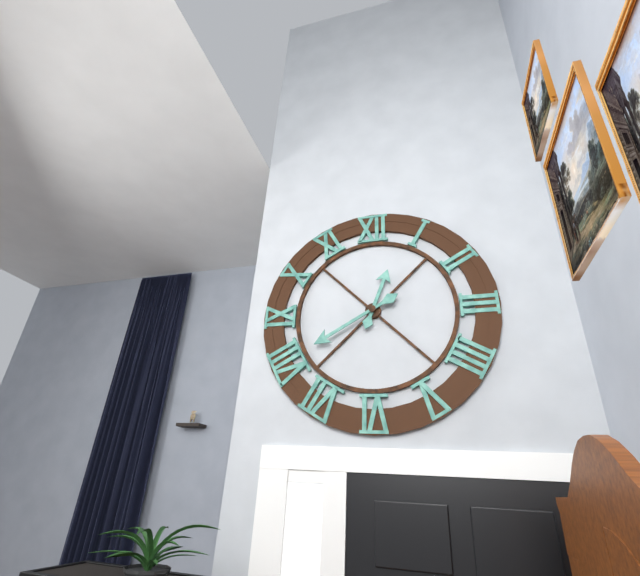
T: 12 h 40 min
